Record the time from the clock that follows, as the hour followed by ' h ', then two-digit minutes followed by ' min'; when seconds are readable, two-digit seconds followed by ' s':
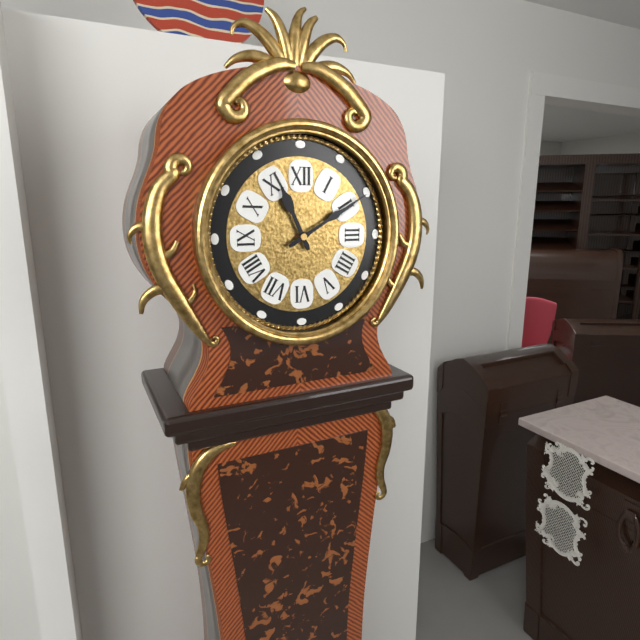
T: 11 h 10 min
